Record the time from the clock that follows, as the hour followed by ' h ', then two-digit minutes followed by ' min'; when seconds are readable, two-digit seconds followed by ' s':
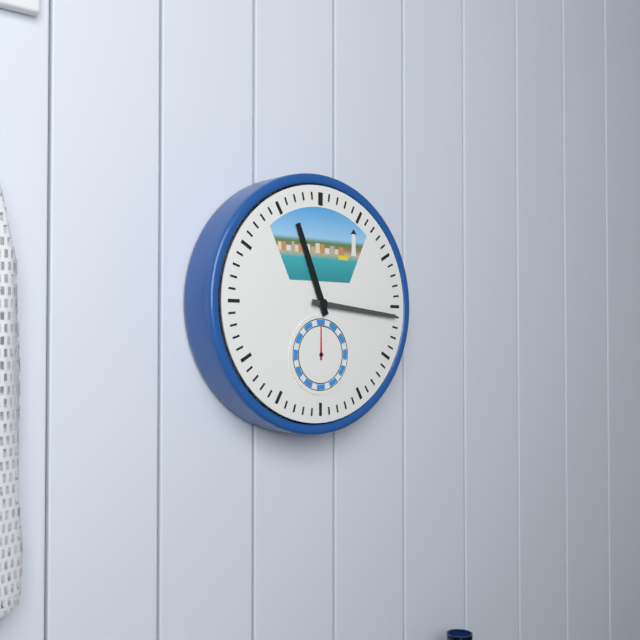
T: 11 h 16 min
